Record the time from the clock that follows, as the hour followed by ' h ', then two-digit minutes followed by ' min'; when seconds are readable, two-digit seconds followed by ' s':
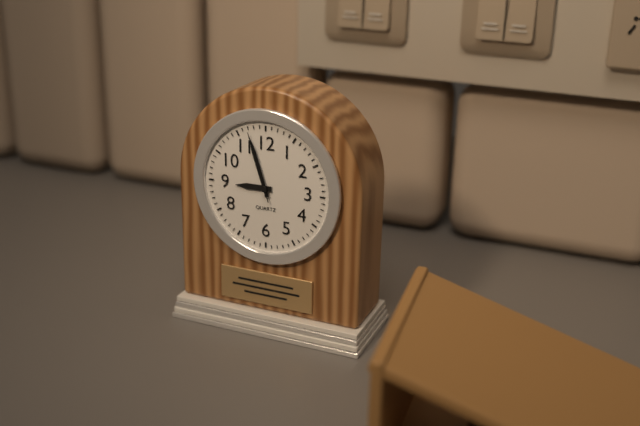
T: 8 h 57 min 57 s
